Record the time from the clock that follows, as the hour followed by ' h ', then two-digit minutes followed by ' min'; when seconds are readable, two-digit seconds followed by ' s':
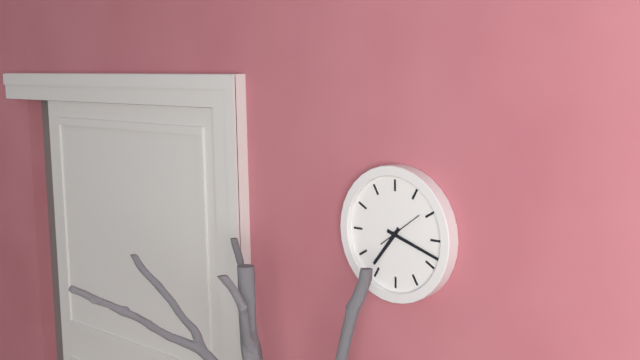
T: 7 h 18 min
